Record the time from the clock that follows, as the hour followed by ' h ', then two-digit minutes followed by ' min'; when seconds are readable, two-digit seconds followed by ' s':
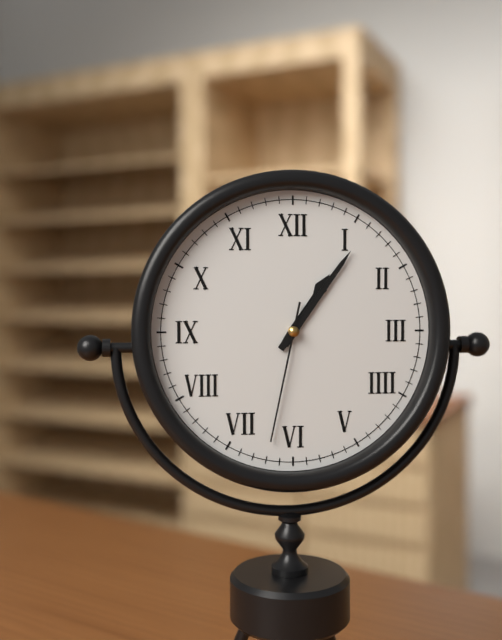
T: 1 h 06 min 32 s
